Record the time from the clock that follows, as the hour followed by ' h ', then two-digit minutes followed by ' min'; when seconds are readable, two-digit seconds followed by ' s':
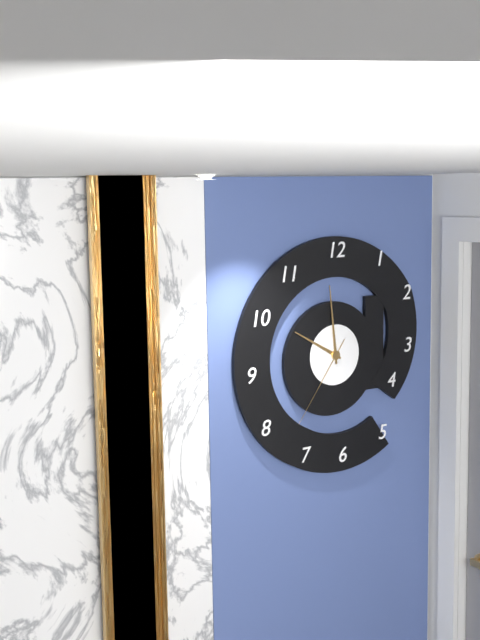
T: 9 h 59 min 36 s
